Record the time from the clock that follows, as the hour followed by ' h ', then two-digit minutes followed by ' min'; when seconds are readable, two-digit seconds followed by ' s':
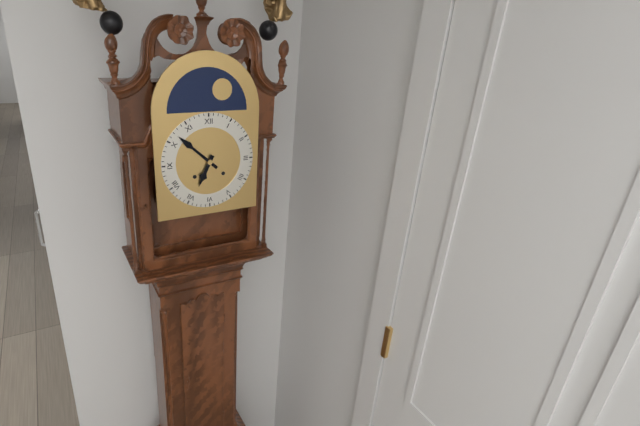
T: 6 h 52 min
